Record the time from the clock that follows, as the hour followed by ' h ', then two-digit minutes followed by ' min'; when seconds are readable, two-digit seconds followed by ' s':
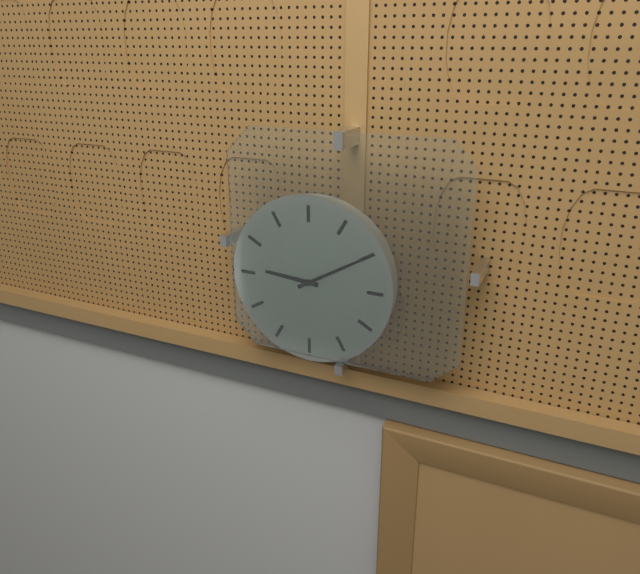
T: 9 h 10 min
